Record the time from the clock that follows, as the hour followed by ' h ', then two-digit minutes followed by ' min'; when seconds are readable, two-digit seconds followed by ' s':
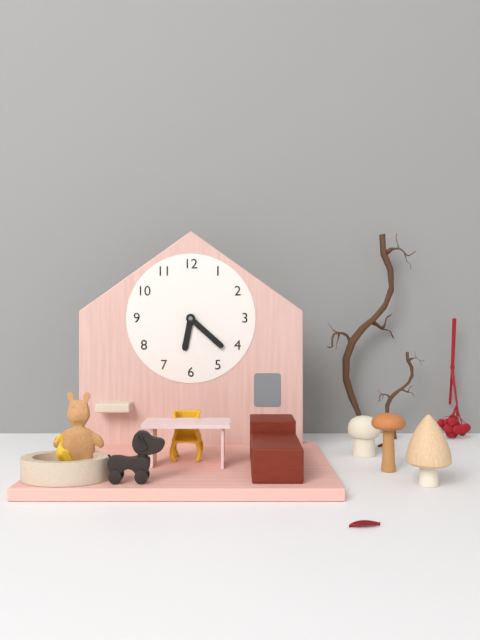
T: 6 h 22 min
